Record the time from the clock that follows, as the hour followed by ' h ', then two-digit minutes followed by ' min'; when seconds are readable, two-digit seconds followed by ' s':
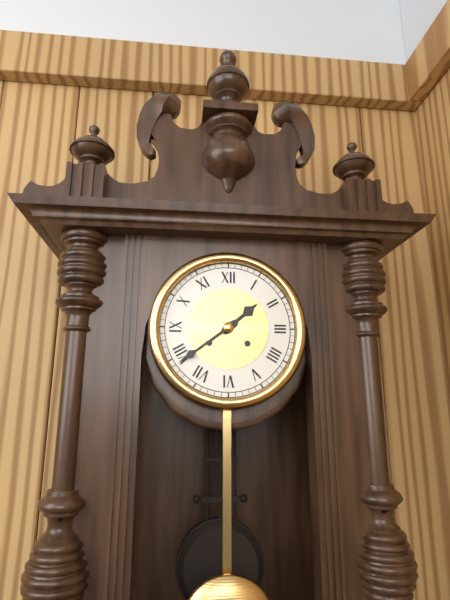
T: 1 h 39 min
